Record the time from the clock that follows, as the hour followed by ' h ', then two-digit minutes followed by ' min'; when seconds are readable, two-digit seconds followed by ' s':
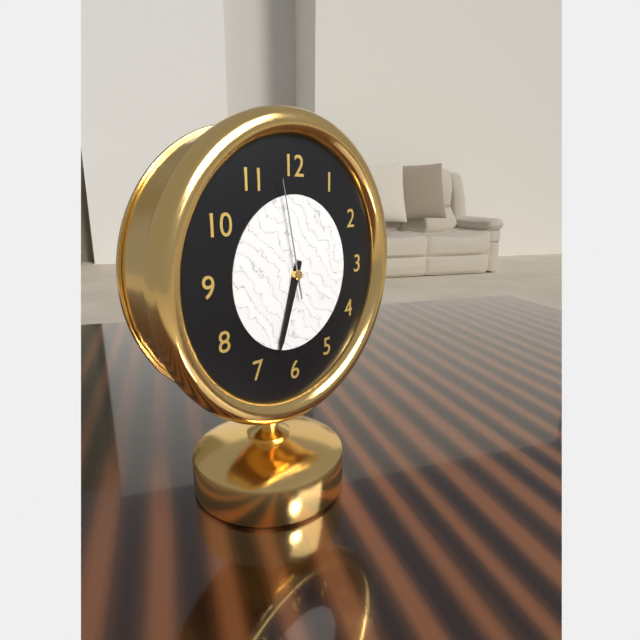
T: 6 h 33 min 58 s
